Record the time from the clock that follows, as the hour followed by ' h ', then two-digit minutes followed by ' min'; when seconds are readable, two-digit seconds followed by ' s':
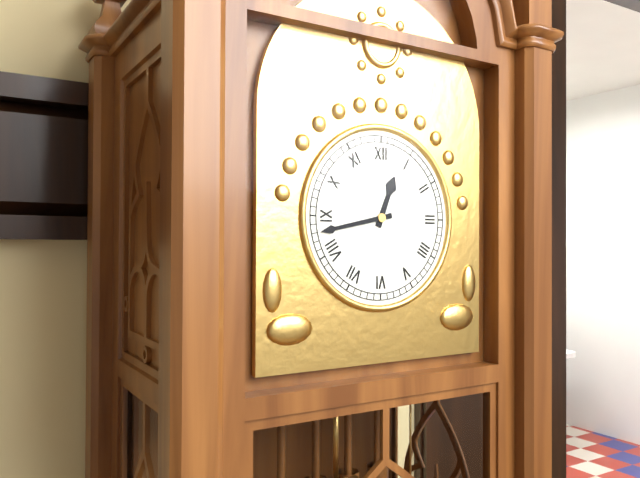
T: 12 h 43 min
